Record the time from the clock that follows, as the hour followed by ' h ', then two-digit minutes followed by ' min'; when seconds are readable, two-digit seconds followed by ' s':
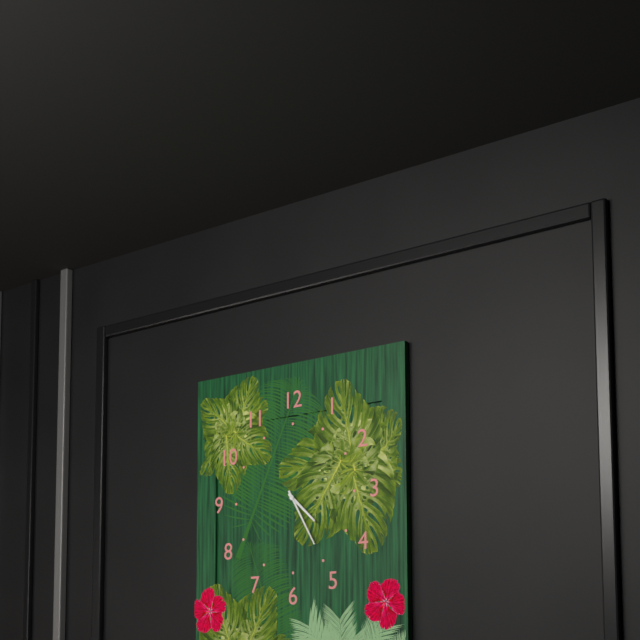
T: 4 h 25 min
